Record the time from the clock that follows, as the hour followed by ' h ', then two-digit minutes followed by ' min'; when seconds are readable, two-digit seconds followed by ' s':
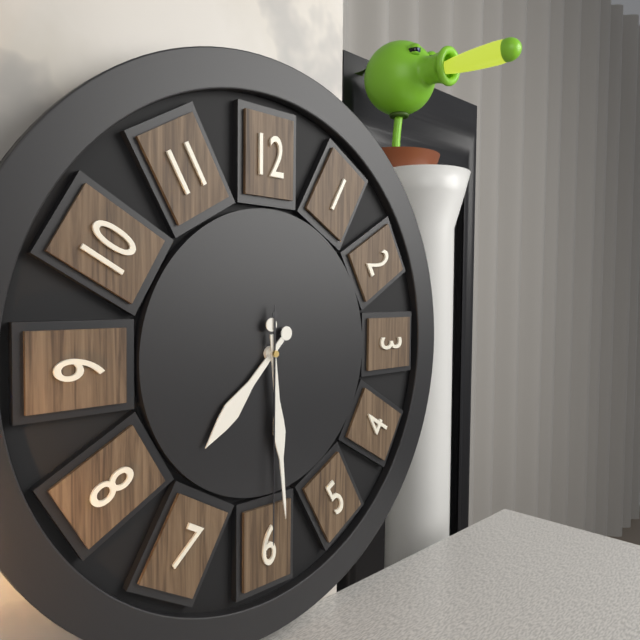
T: 7 h 29 min 30 s
